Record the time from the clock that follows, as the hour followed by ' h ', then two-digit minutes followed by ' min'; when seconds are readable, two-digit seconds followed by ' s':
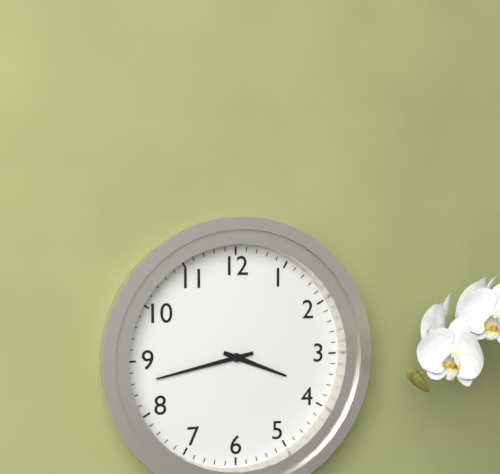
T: 3 h 43 min
